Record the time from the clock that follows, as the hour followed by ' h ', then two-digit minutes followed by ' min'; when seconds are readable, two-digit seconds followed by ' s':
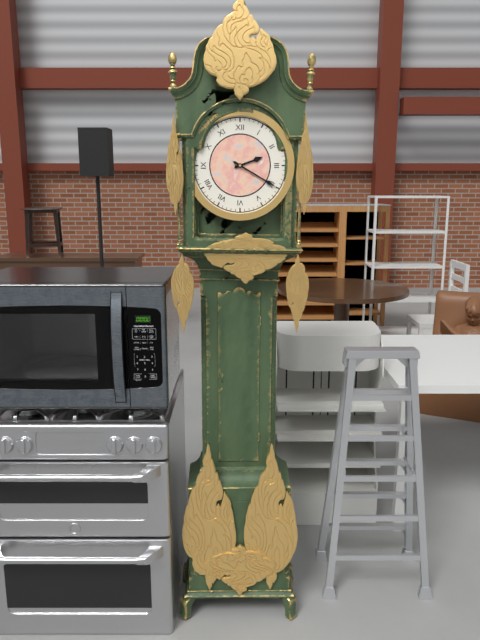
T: 2 h 20 min
